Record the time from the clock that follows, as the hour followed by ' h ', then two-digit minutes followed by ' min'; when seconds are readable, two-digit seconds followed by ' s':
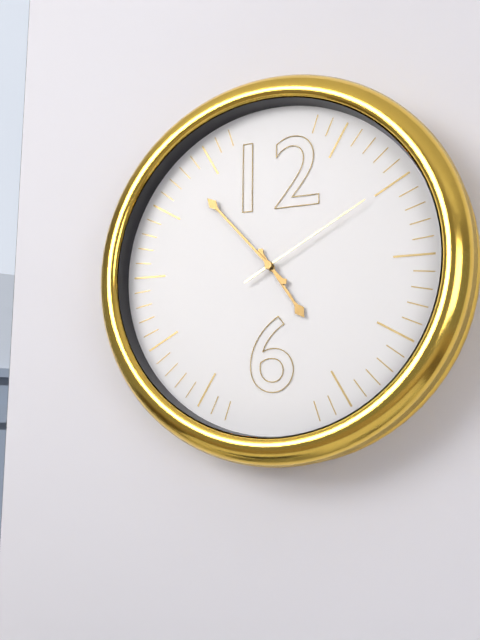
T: 4 h 53 min 10 s
